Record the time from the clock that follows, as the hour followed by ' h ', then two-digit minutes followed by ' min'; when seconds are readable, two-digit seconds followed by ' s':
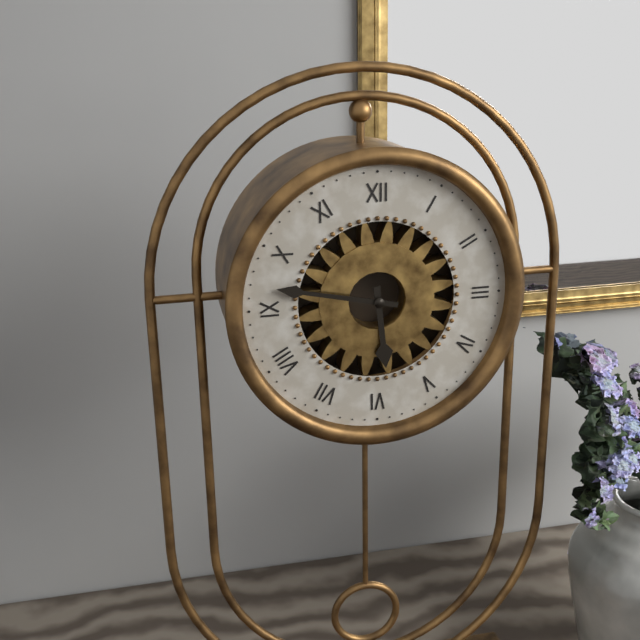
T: 5 h 47 min
